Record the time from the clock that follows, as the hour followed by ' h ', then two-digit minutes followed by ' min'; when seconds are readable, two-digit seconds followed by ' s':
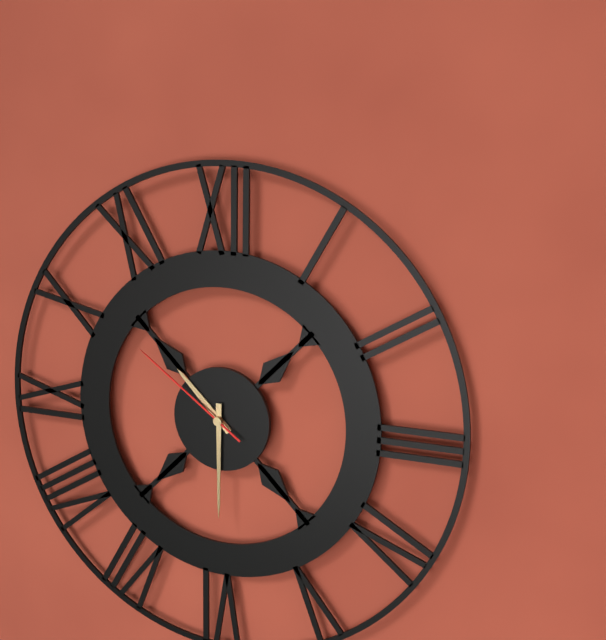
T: 10 h 30 min 51 s
